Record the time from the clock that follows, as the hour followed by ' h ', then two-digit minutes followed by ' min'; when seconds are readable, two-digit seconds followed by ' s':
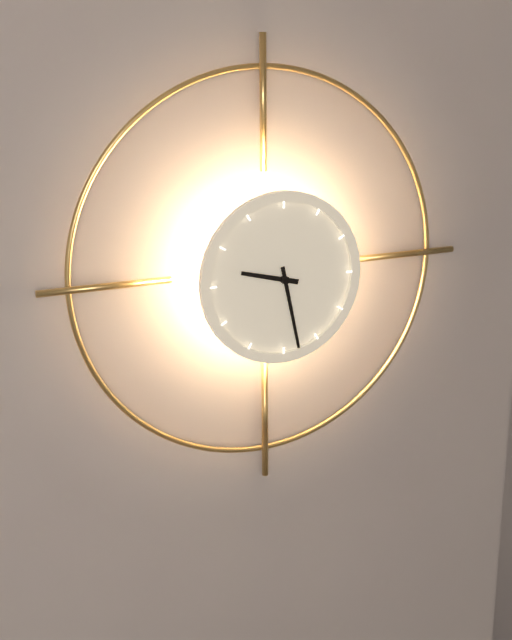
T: 9 h 28 min
